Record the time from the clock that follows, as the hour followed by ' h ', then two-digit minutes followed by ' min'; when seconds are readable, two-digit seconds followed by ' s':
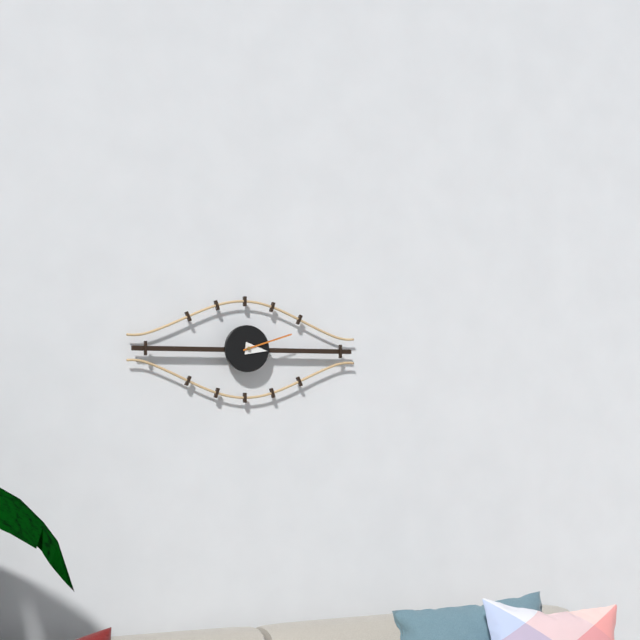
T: 3 h 12 min
